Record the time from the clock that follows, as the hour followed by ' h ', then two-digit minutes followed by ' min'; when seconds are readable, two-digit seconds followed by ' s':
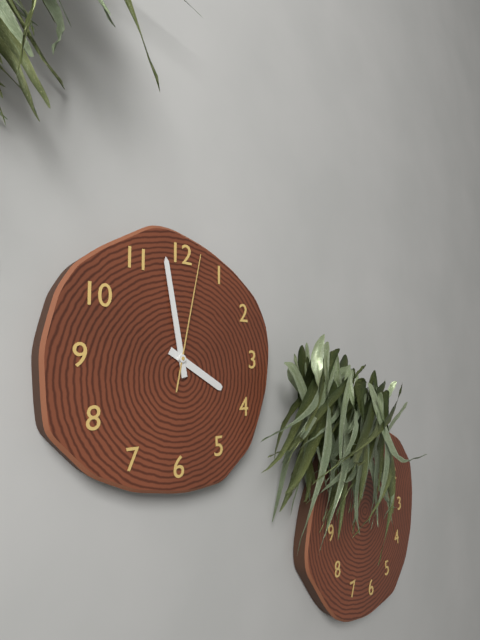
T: 3 h 58 min 02 s
